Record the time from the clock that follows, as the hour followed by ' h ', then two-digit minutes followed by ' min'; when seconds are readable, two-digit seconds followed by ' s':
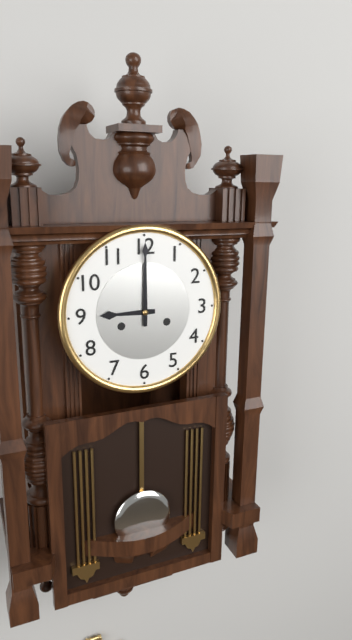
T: 9 h 00 min
